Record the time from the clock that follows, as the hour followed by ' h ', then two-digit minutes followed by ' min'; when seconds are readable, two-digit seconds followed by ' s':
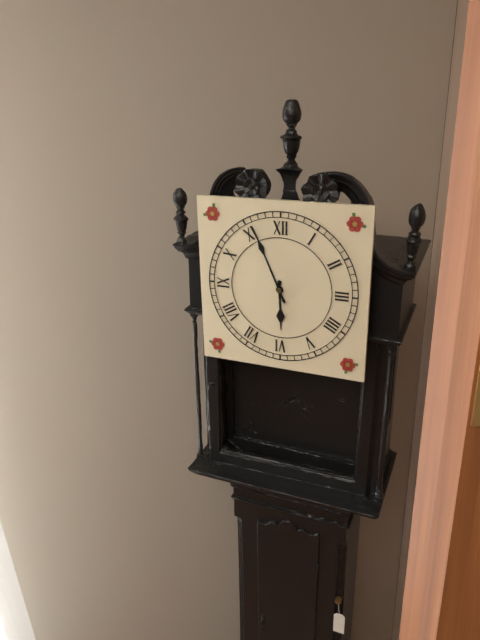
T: 5 h 56 min
